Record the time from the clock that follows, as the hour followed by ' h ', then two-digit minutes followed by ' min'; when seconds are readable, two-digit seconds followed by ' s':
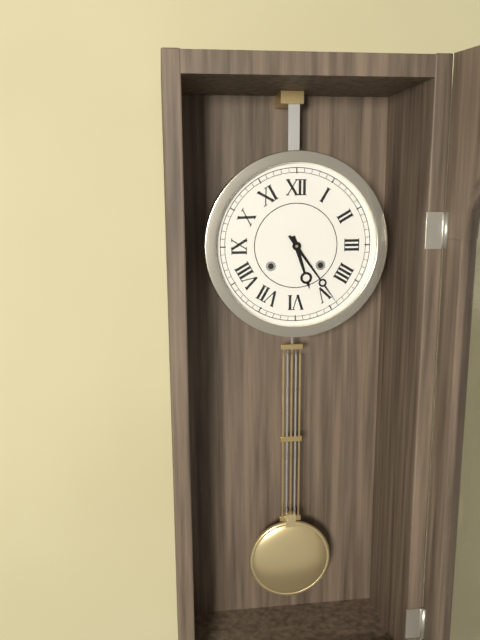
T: 5 h 24 min
